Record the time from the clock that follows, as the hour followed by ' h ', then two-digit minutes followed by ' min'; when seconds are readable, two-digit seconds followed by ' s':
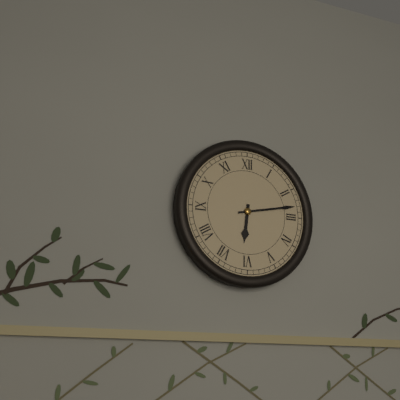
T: 6 h 13 min
